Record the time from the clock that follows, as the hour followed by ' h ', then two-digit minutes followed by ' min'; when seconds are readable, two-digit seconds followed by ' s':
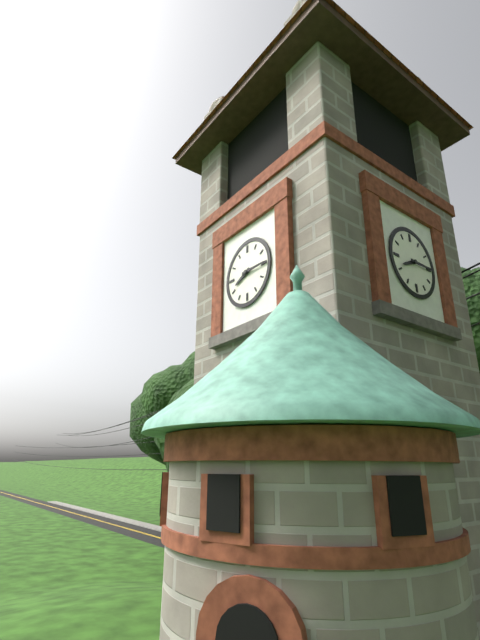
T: 8 h 15 min
